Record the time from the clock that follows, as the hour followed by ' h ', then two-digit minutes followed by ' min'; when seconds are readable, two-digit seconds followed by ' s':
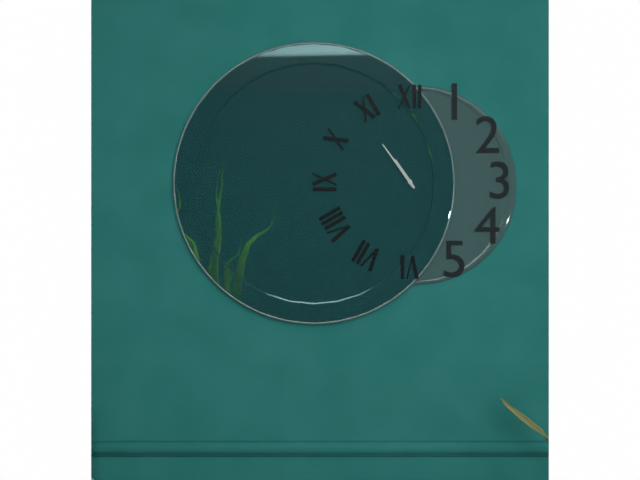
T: 10 h 54 min
